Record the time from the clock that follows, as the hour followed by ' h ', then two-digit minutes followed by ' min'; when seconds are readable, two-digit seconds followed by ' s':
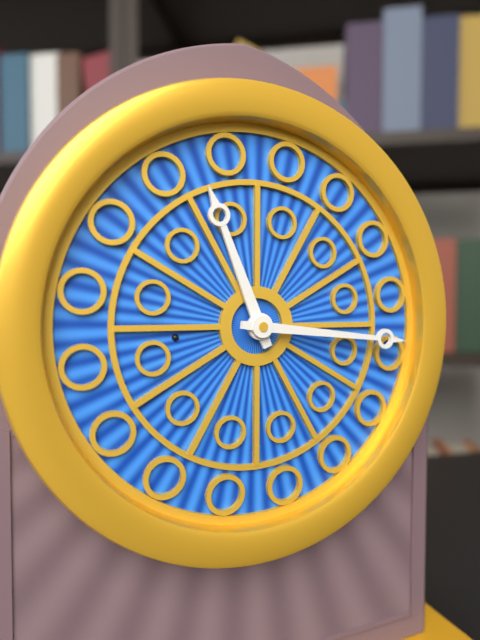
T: 11 h 16 min
